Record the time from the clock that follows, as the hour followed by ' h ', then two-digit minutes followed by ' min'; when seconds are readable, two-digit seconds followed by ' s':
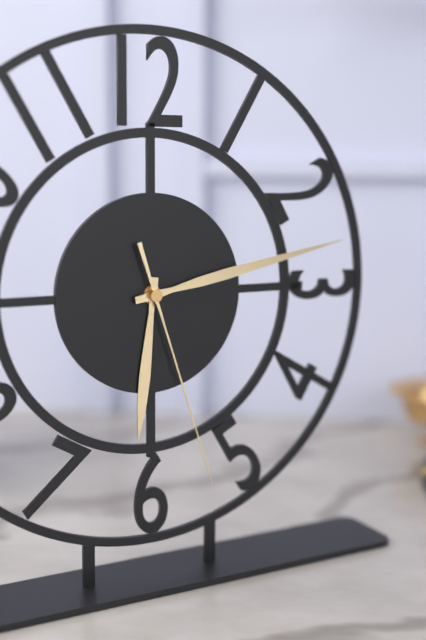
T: 6 h 13 min 27 s
